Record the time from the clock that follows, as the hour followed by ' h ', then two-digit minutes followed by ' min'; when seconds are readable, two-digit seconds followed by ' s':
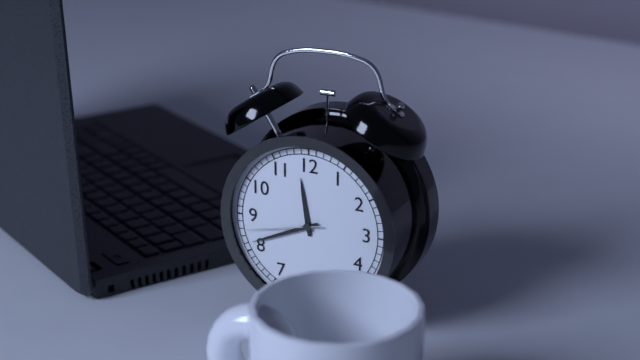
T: 11 h 41 min 43 s
